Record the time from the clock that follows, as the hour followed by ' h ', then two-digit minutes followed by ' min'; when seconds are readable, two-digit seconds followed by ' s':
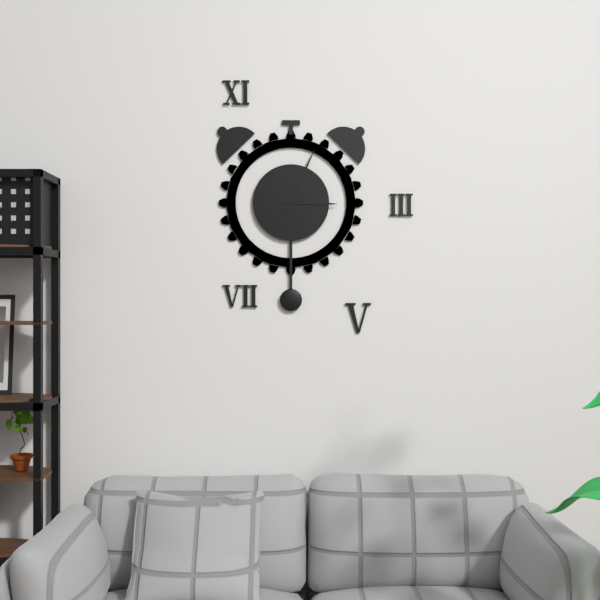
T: 3 h 04 min
